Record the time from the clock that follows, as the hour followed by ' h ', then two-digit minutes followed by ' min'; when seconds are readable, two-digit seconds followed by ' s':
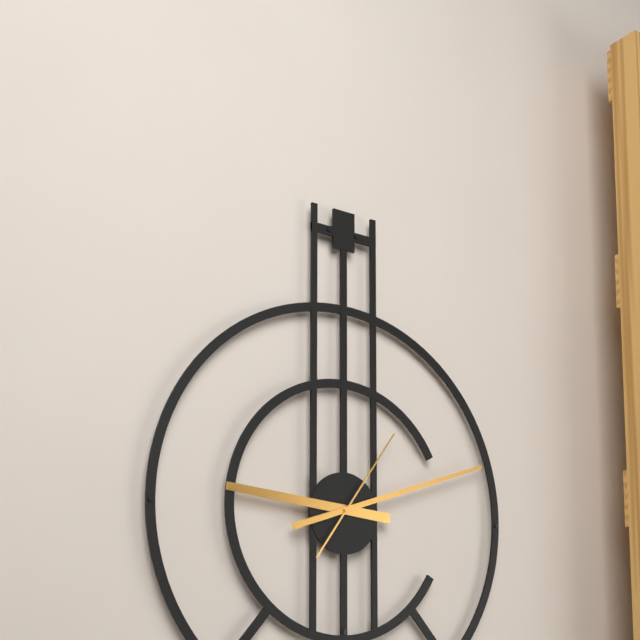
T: 9 h 12 min 06 s
